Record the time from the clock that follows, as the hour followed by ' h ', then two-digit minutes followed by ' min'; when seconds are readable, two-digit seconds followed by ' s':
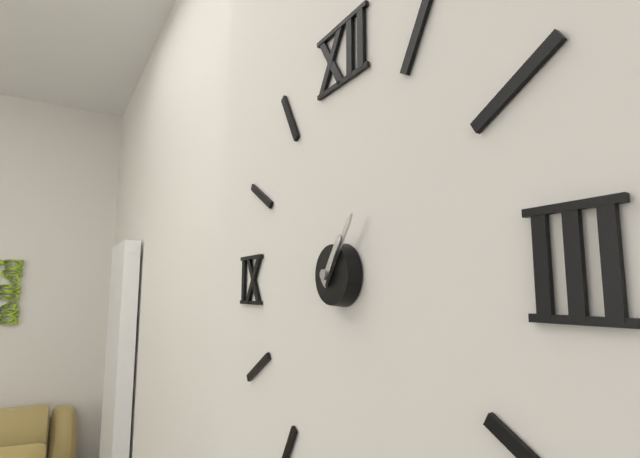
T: 1 h 06 min
